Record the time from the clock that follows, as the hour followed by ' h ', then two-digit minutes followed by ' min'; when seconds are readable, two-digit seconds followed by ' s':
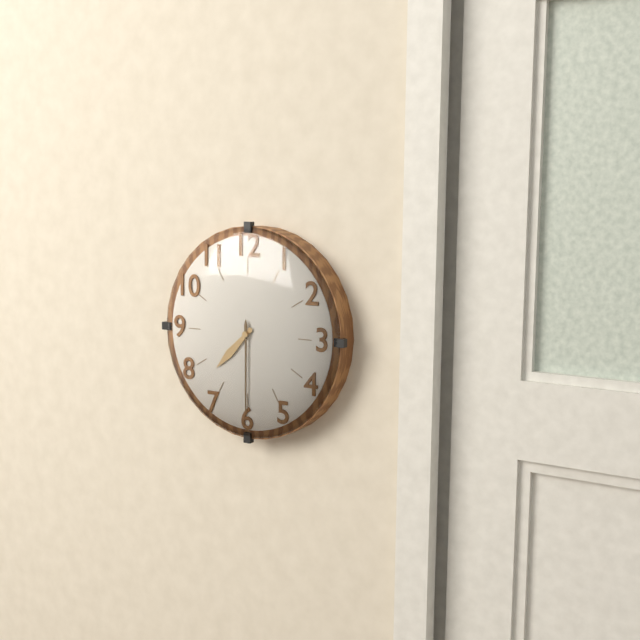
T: 7 h 30 min
